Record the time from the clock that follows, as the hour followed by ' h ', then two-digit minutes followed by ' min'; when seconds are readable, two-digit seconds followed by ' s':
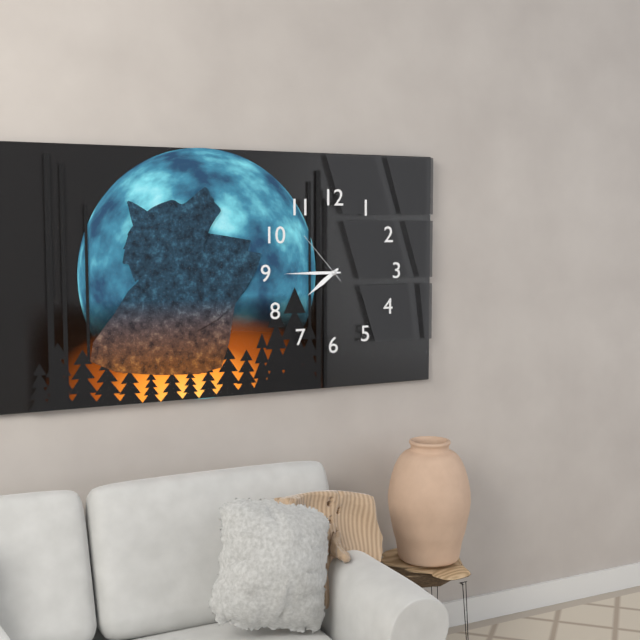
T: 7 h 45 min 53 s
